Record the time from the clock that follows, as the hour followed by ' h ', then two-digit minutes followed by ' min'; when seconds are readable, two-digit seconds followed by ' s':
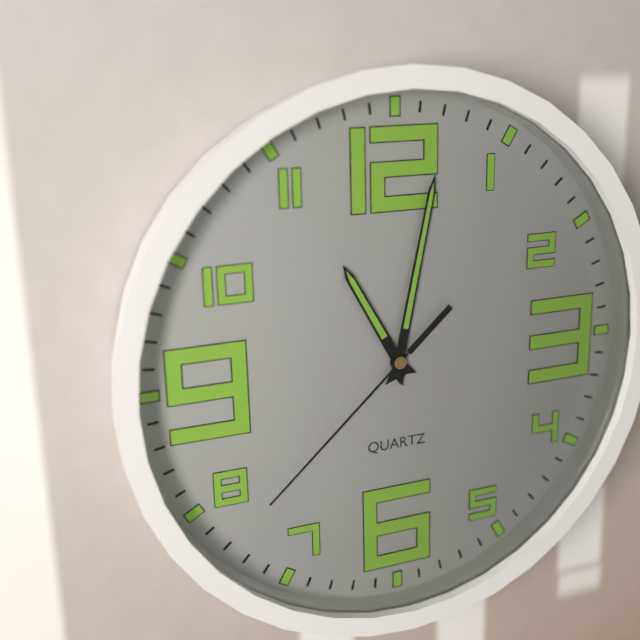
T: 11 h 02 min 38 s
